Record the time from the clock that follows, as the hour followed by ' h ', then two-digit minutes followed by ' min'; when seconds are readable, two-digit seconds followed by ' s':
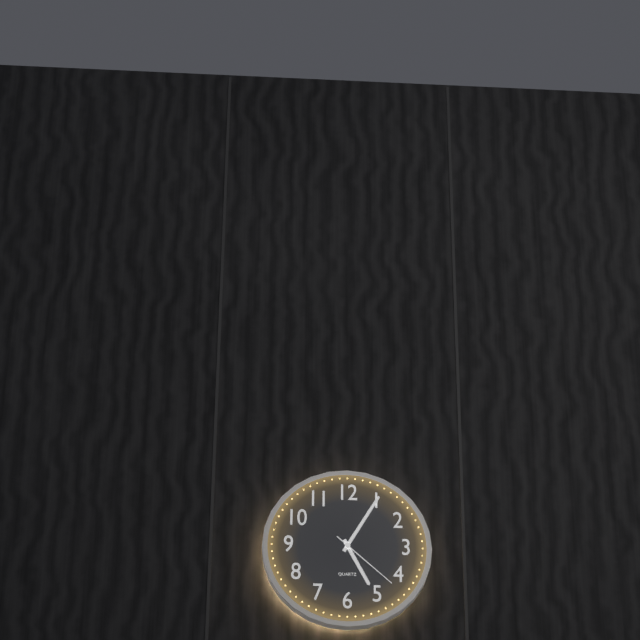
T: 5 h 05 min 22 s
